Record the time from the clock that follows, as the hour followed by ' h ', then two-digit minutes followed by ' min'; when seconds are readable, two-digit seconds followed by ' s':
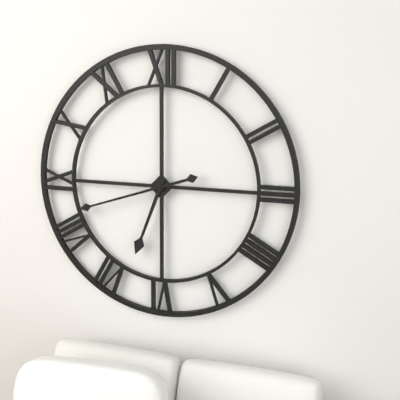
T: 6 h 42 min
